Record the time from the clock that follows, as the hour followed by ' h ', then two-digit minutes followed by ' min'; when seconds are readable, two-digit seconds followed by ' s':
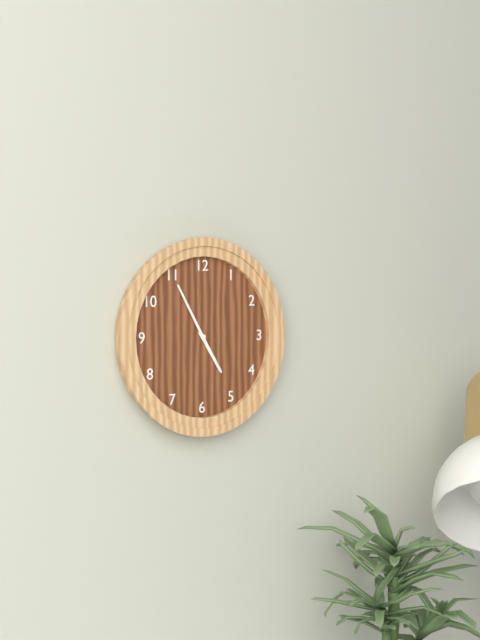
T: 4 h 55 min
